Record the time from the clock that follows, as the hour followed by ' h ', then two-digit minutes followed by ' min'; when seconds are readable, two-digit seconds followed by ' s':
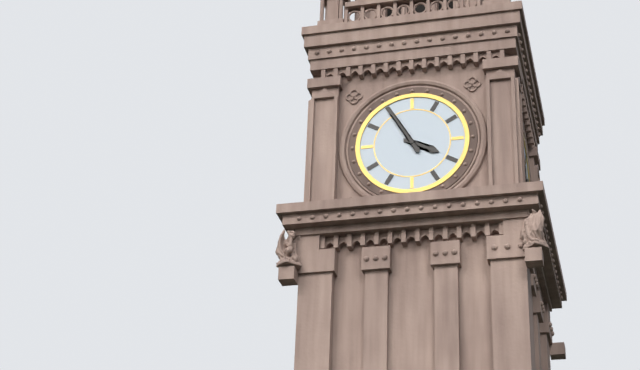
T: 3 h 55 min
